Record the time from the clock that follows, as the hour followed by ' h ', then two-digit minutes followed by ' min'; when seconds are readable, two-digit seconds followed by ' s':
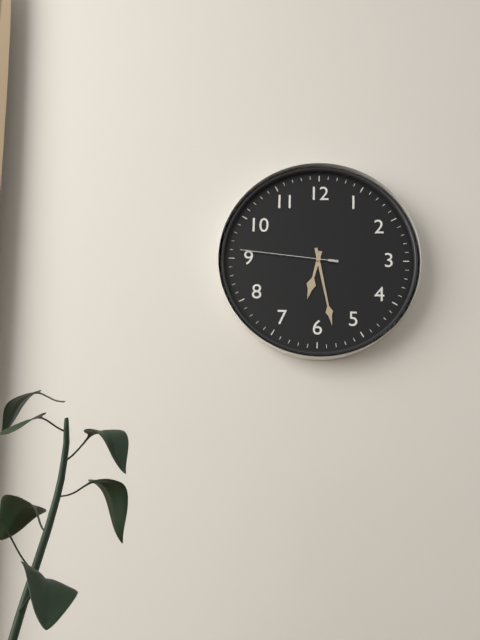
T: 6 h 28 min 46 s
